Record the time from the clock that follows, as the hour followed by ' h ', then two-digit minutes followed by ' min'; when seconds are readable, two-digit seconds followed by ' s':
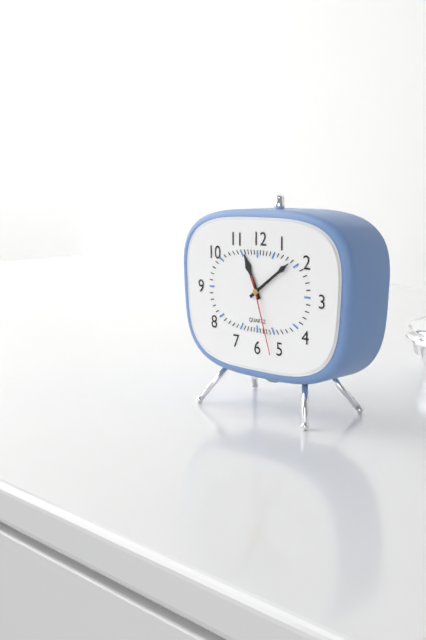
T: 11 h 09 min 27 s
